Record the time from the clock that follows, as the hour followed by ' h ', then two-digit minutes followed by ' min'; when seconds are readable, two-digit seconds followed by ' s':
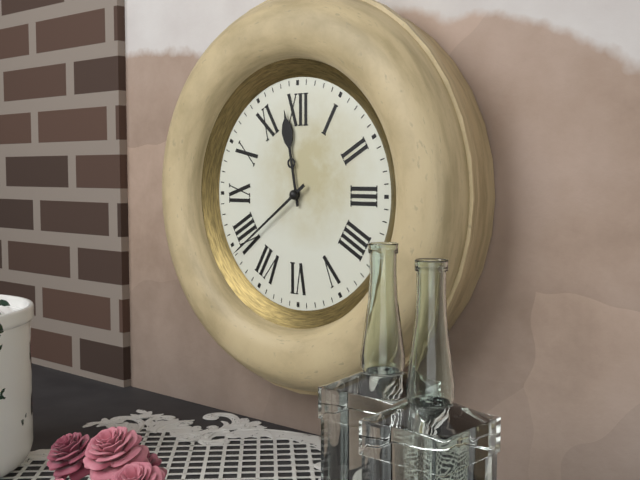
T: 11 h 39 min
